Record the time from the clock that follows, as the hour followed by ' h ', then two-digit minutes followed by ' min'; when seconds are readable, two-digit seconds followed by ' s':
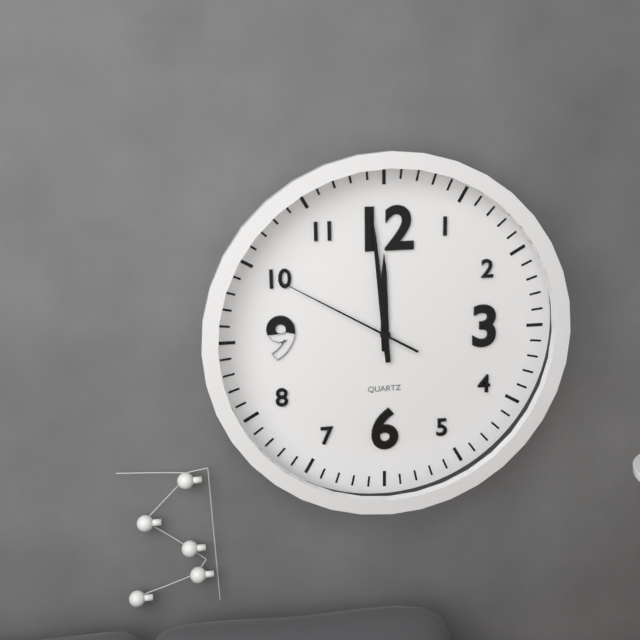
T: 11 h 59 min 50 s
